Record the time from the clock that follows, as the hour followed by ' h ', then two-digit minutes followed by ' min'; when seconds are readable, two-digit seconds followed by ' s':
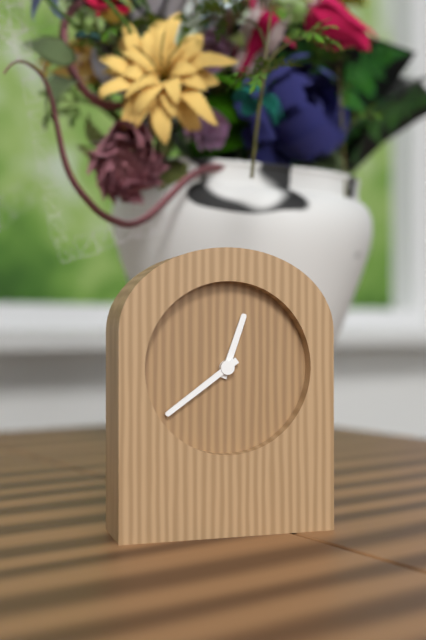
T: 12 h 39 min
